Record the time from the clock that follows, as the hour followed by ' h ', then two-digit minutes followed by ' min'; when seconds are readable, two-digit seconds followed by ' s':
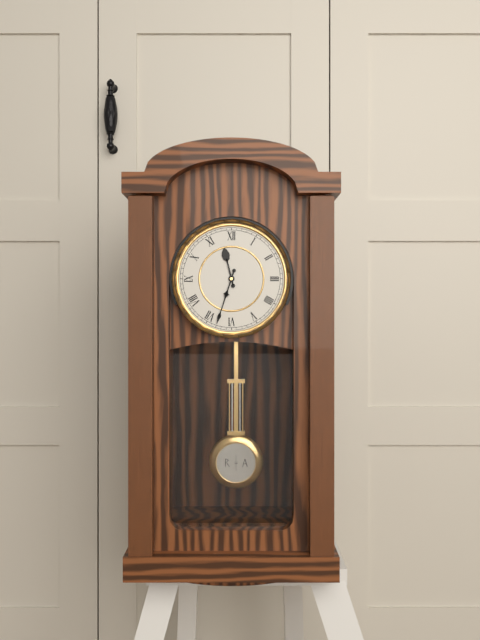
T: 11 h 33 min
